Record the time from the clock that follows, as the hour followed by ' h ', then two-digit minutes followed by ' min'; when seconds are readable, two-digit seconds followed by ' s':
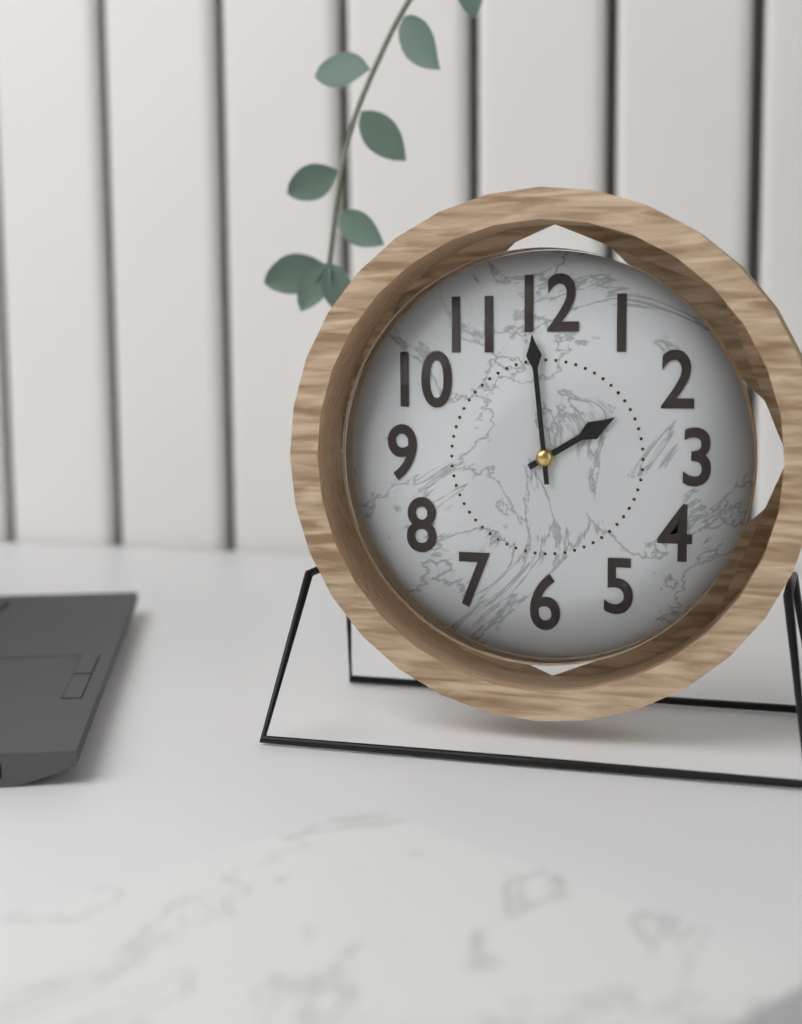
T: 1 h 59 min
